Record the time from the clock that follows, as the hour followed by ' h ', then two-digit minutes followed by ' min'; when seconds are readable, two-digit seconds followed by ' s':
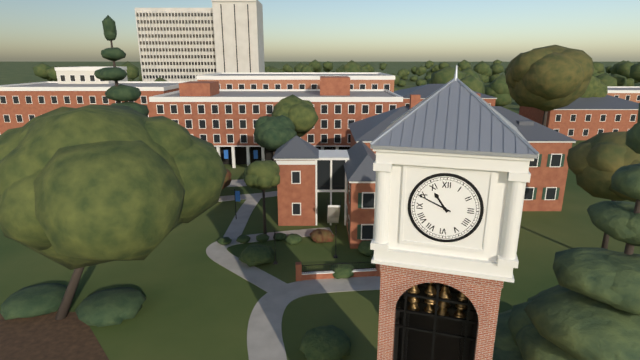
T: 10 h 49 min
